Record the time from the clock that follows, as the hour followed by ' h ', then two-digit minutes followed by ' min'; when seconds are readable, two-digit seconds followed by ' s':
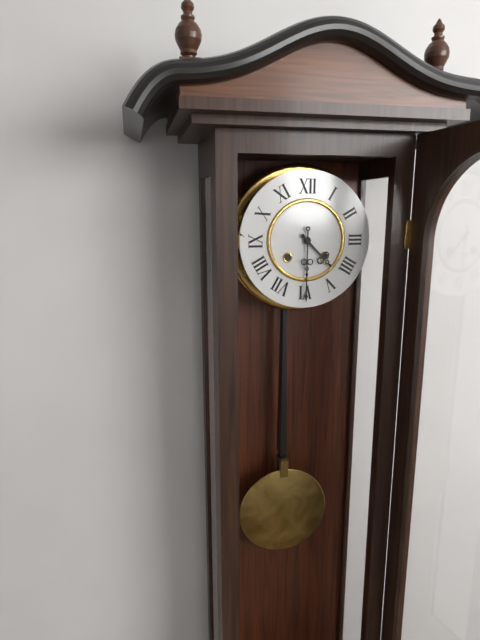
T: 4 h 30 min
